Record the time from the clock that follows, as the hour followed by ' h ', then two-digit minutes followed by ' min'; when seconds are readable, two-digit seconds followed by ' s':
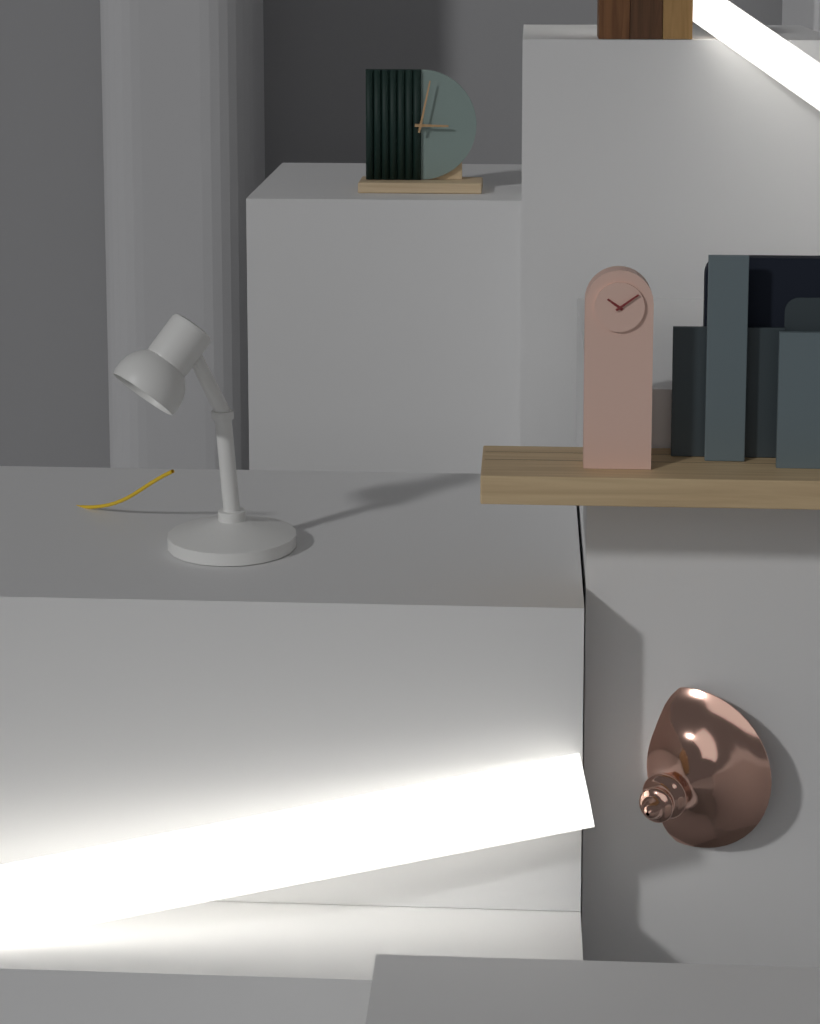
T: 3 h 02 min
